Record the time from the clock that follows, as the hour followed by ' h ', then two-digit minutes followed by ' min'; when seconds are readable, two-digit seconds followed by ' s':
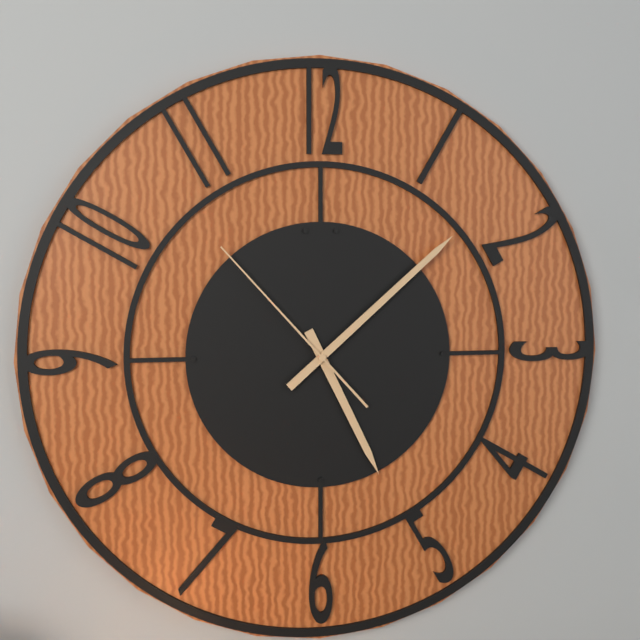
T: 5 h 08 min 53 s
